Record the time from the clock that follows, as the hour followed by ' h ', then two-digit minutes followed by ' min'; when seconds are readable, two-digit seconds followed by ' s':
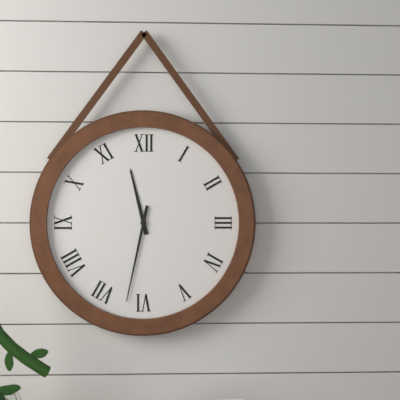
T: 11 h 32 min
